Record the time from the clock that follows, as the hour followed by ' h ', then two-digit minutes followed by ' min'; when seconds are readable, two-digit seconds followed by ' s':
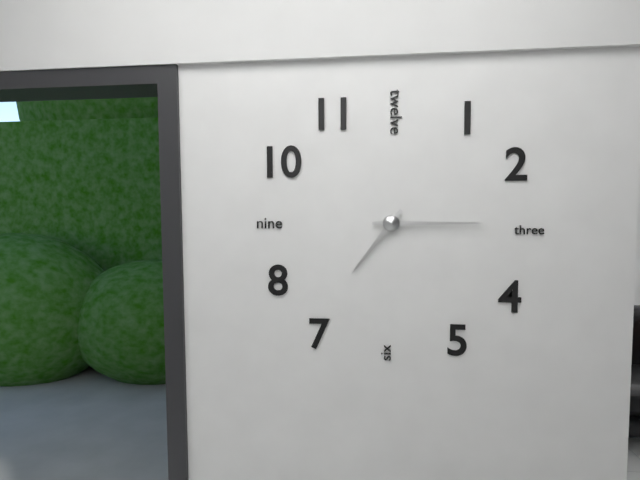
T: 7 h 15 min
